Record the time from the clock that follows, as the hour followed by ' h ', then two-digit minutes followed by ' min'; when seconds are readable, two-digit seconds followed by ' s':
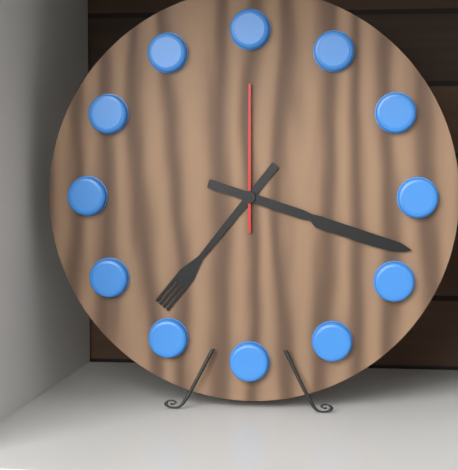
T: 7 h 18 min 00 s
